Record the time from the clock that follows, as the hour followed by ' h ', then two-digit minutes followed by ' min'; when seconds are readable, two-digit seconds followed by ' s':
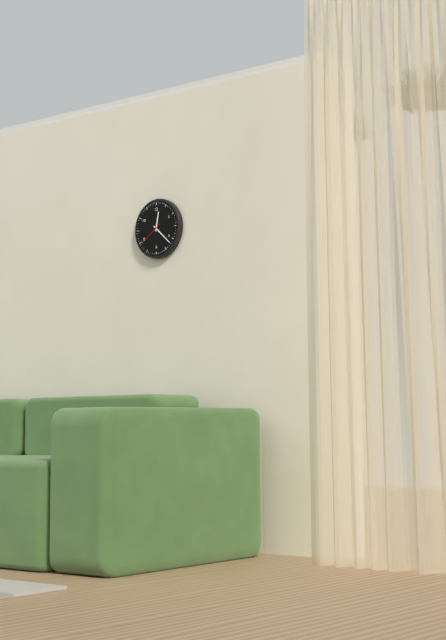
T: 12 h 22 min
